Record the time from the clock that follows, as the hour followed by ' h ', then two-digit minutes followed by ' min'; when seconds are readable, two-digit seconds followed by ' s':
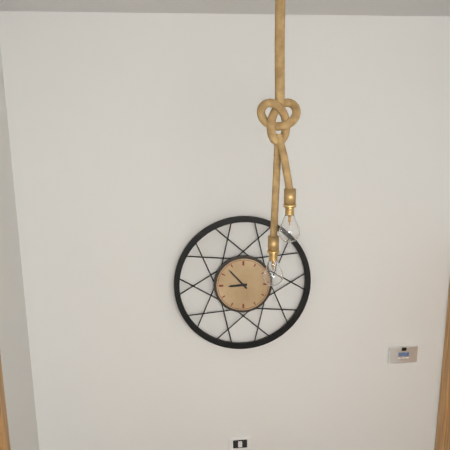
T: 8 h 53 min
